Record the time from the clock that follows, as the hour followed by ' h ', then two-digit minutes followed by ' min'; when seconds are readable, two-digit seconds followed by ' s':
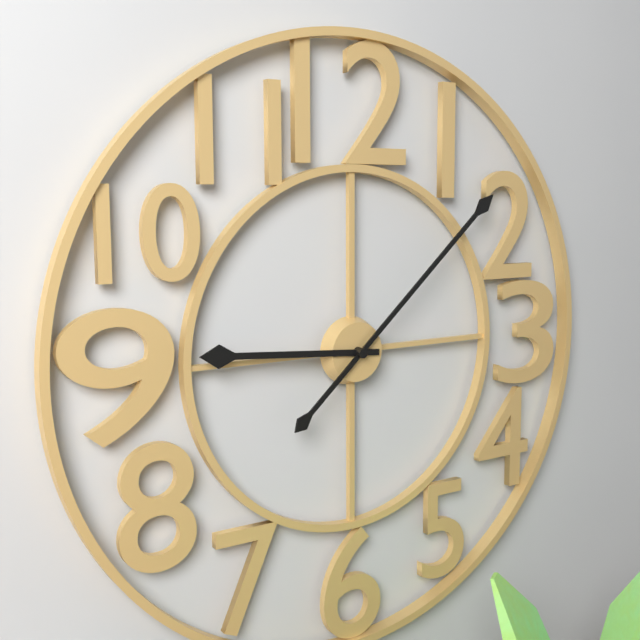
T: 9 h 08 min
